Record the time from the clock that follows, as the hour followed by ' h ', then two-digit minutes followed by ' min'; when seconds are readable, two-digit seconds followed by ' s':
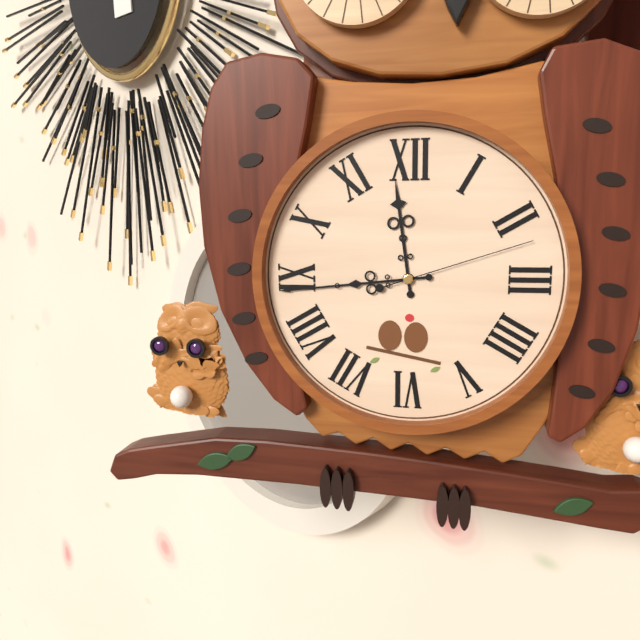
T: 11 h 44 min 12 s
